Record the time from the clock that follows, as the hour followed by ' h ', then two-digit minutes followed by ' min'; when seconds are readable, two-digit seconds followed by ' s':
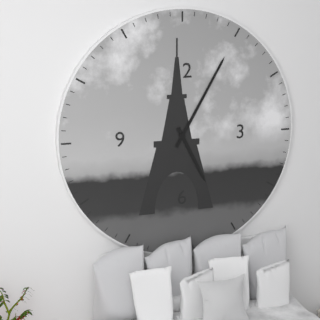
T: 5 h 05 min
